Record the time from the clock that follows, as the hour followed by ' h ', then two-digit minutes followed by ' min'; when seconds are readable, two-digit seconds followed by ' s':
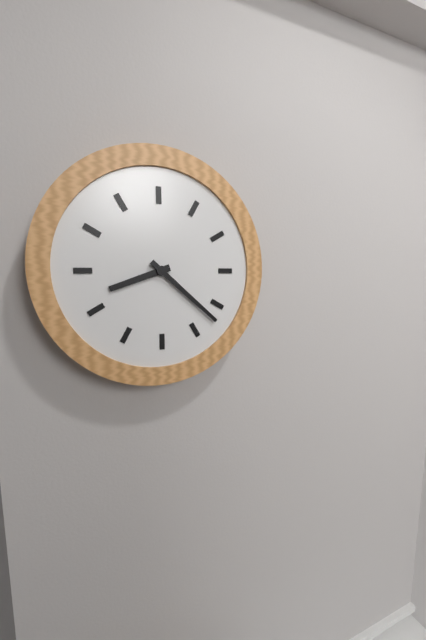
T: 8 h 22 min
